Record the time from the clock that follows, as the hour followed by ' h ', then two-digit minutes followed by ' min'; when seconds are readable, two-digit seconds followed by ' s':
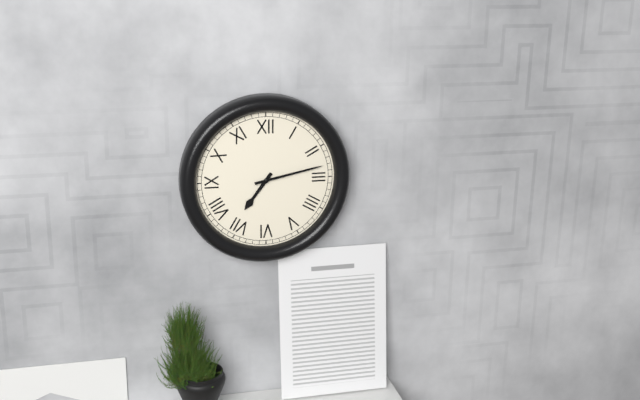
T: 7 h 13 min
